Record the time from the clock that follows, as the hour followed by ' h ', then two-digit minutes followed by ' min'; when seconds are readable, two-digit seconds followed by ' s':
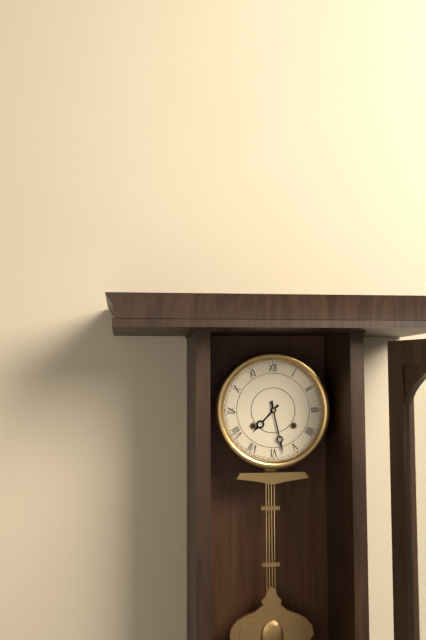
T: 7 h 28 min
